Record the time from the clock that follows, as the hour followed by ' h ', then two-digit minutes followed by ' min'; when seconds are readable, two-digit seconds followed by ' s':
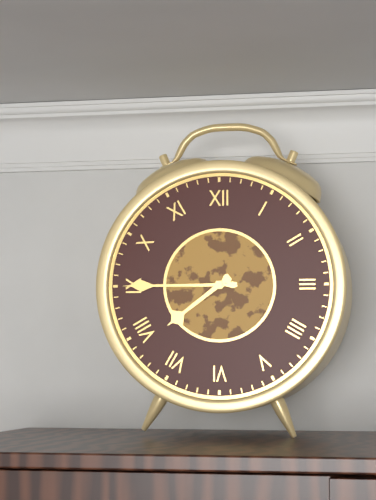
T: 7 h 45 min
